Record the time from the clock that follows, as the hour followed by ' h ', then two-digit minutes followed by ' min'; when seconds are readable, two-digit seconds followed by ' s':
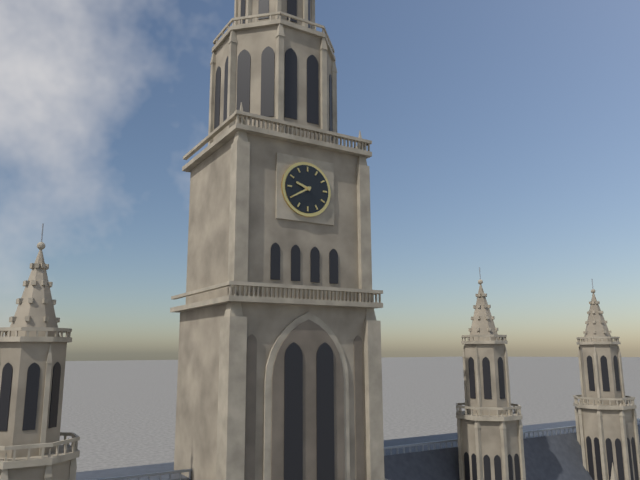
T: 9 h 40 min
